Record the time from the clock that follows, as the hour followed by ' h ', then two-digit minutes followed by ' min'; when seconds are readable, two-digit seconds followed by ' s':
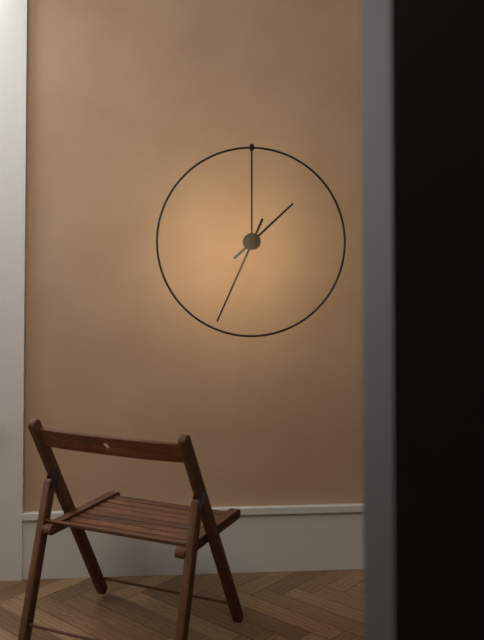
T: 1 h 34 min
